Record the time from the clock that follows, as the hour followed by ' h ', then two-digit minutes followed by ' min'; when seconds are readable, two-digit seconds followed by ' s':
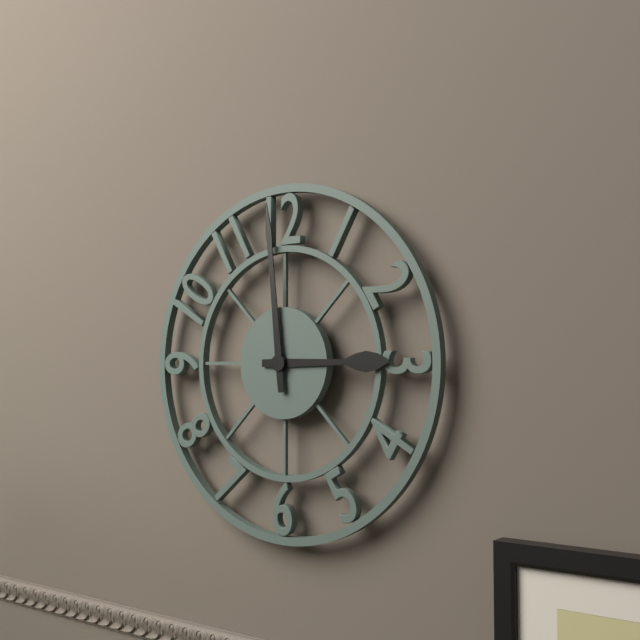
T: 2 h 59 min
